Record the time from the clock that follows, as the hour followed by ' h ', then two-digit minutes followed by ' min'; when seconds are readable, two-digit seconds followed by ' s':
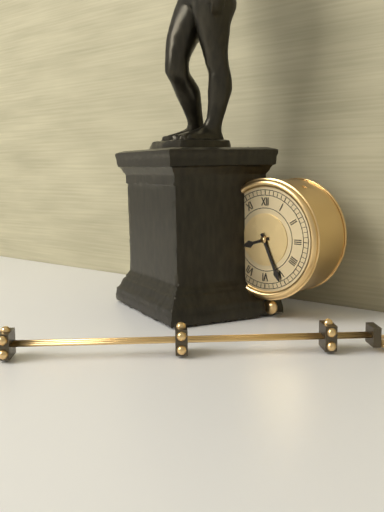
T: 8 h 26 min
